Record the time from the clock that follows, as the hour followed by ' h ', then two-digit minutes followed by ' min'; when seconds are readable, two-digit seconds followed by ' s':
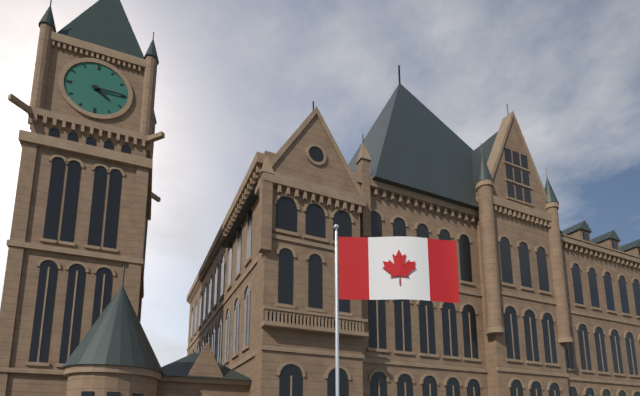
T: 4 h 15 min
